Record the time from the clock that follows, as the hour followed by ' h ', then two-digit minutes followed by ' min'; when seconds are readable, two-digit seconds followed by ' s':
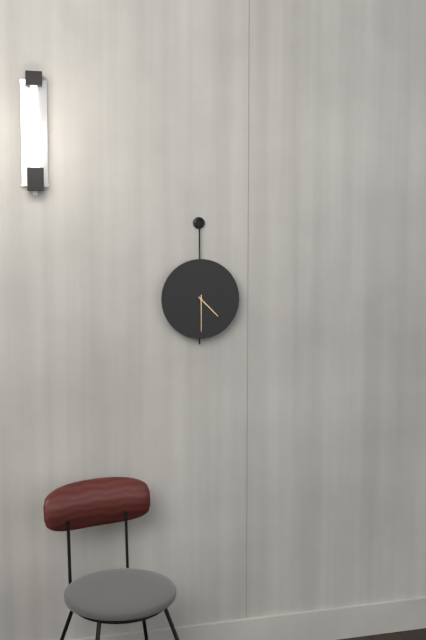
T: 4 h 30 min
